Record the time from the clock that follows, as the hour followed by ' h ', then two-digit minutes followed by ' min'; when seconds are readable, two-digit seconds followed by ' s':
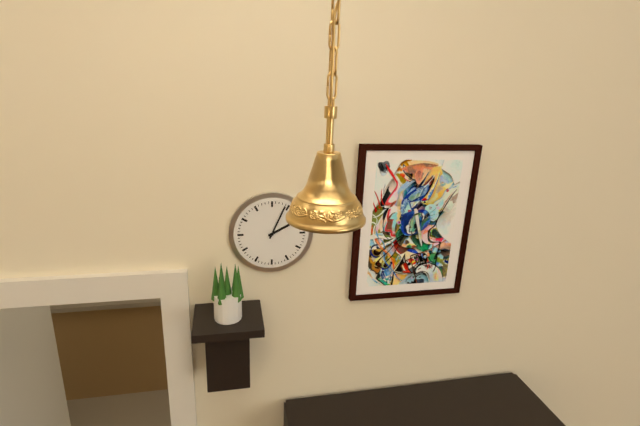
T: 2 h 04 min
